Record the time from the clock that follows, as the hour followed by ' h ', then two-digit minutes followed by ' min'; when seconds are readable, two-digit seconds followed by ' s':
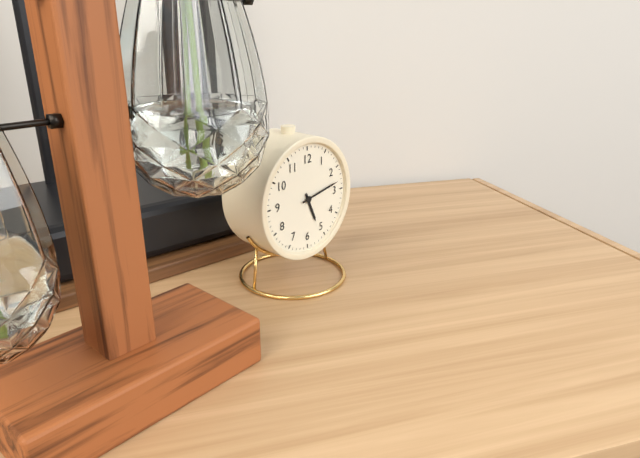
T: 5 h 13 min
